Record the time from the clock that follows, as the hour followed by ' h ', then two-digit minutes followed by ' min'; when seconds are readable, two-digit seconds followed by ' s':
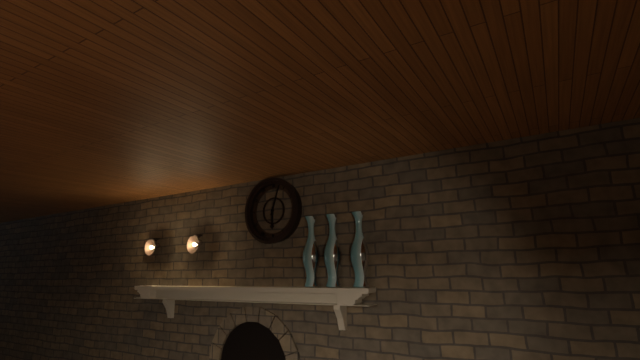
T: 6 h 03 min
